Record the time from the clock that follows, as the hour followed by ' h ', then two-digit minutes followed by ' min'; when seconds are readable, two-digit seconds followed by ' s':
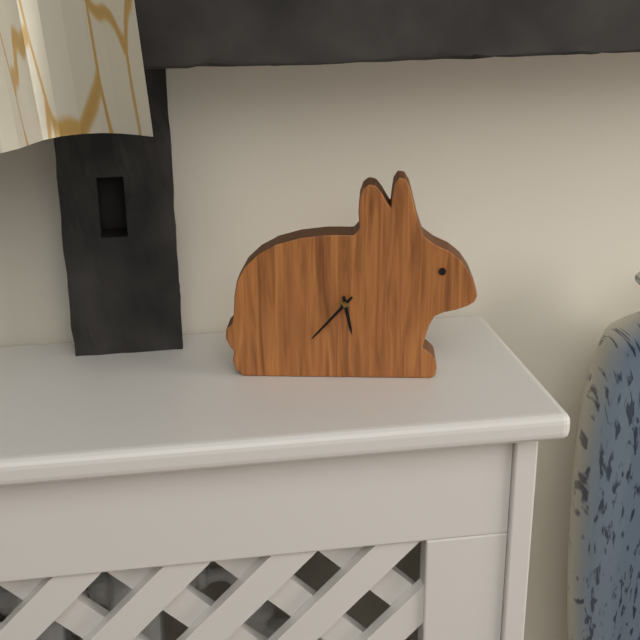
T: 5 h 37 min
